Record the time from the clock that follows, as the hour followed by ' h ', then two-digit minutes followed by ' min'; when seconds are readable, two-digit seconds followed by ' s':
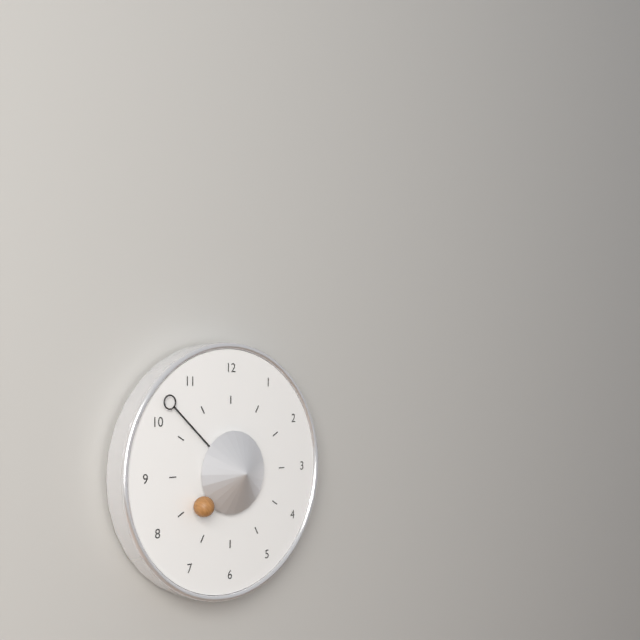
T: 7 h 52 min
